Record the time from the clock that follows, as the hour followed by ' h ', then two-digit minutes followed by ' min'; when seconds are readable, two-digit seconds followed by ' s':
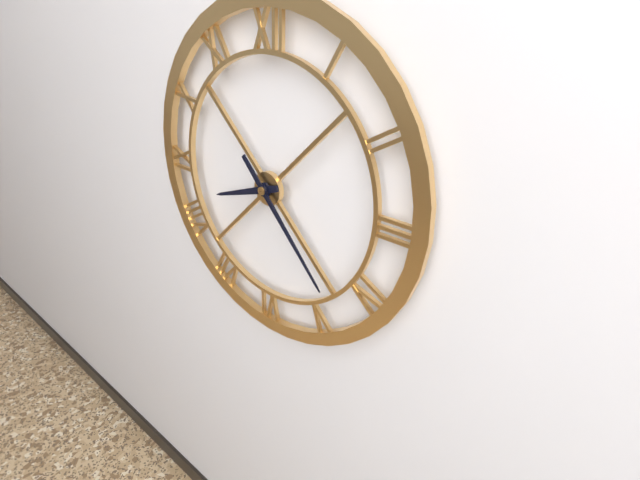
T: 8 h 23 min
